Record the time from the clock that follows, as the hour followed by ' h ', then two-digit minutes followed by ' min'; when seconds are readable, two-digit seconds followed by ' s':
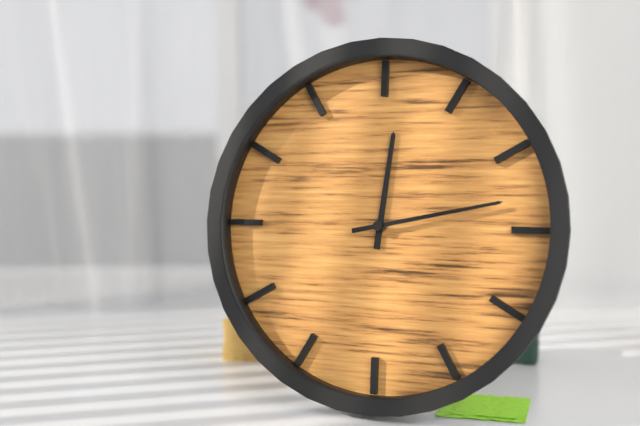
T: 12 h 13 min
